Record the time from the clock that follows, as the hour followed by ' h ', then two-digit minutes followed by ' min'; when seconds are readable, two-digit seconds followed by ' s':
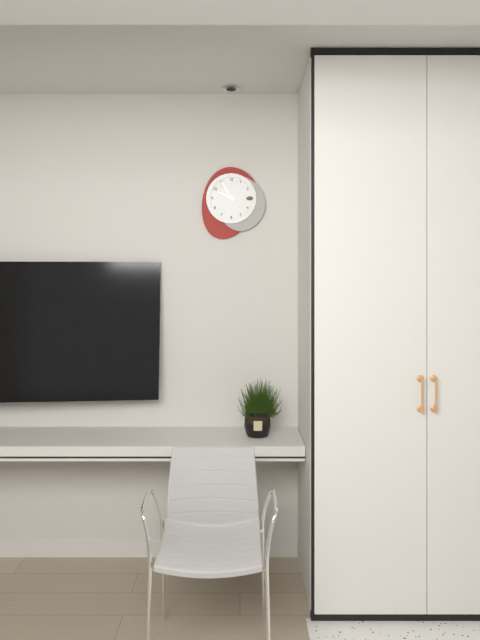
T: 9 h 55 min
